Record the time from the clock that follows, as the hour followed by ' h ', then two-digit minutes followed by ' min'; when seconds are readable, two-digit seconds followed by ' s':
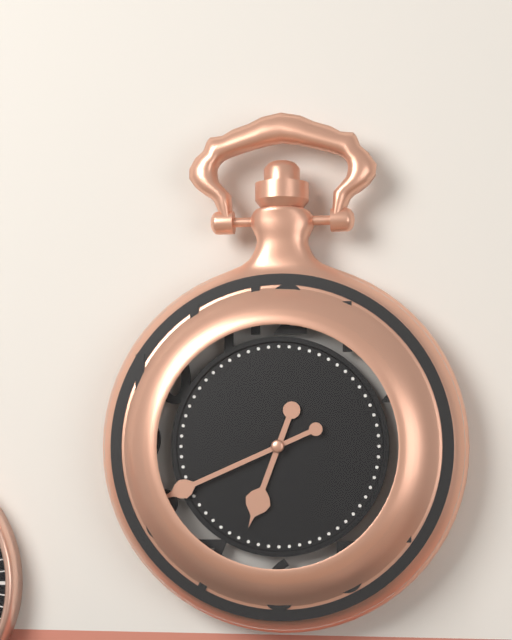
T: 6 h 41 min
